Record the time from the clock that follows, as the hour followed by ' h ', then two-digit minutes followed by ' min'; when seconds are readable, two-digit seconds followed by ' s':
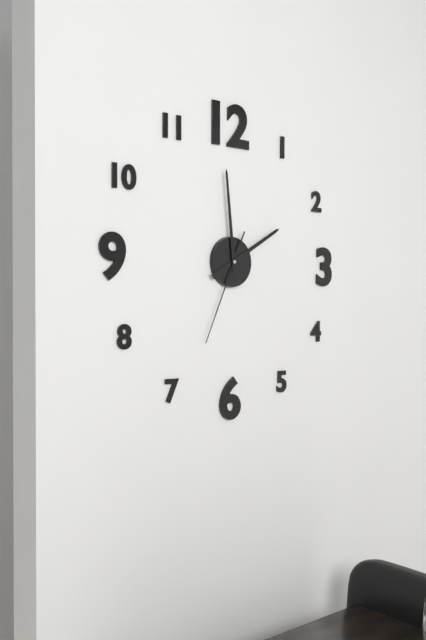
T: 1 h 59 min 34 s
